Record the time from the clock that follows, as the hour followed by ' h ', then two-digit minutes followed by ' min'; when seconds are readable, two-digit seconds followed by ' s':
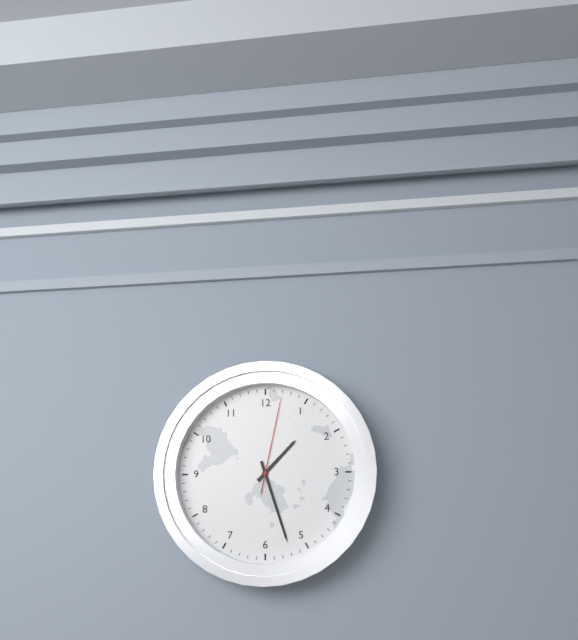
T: 1 h 27 min 02 s
